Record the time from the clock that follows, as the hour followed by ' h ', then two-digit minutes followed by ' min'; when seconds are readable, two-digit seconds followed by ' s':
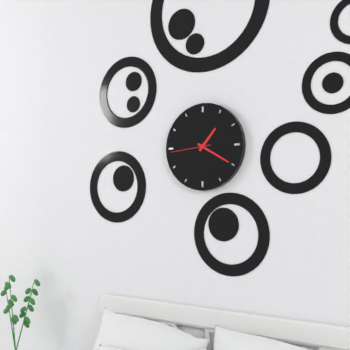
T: 1 h 20 min
